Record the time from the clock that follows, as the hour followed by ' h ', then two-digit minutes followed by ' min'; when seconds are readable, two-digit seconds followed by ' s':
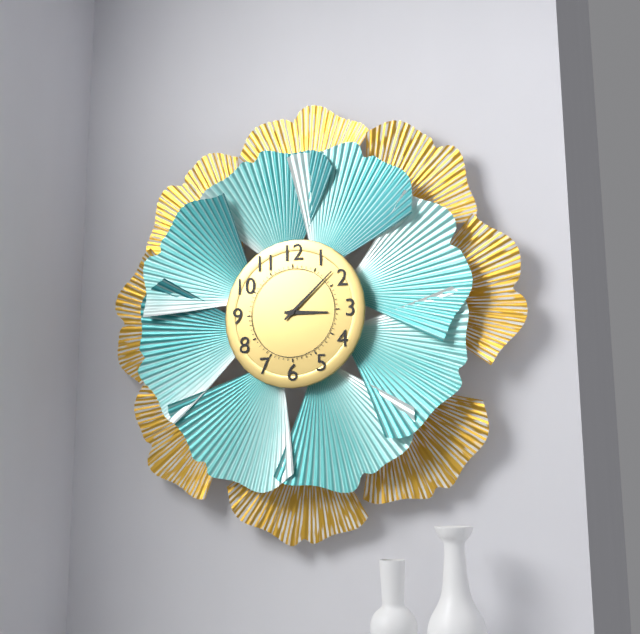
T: 3 h 08 min
